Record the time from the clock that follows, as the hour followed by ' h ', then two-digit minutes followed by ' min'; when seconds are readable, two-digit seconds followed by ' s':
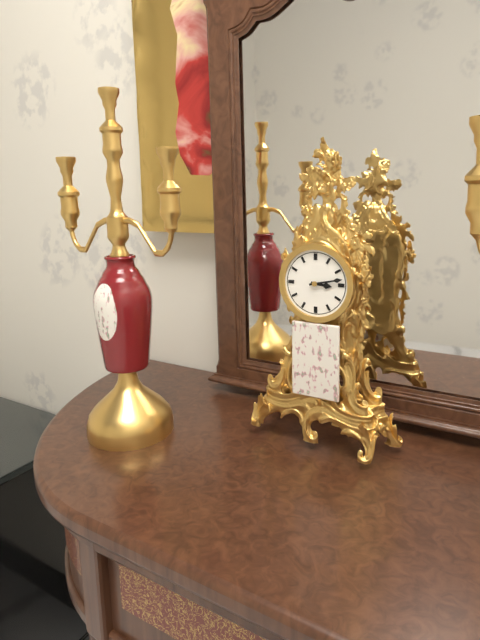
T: 3 h 13 min
